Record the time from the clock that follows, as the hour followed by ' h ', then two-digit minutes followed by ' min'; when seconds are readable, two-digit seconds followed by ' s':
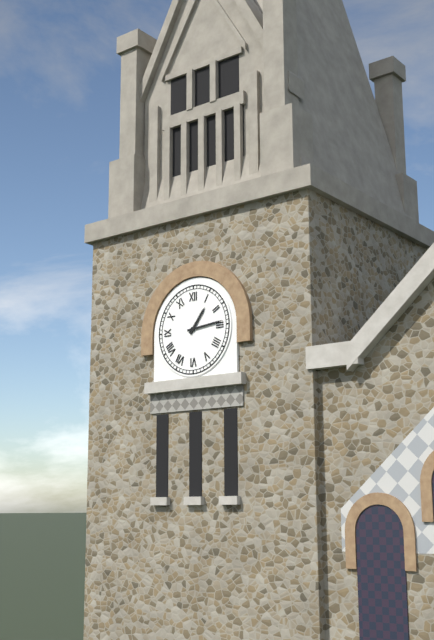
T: 1 h 14 min
